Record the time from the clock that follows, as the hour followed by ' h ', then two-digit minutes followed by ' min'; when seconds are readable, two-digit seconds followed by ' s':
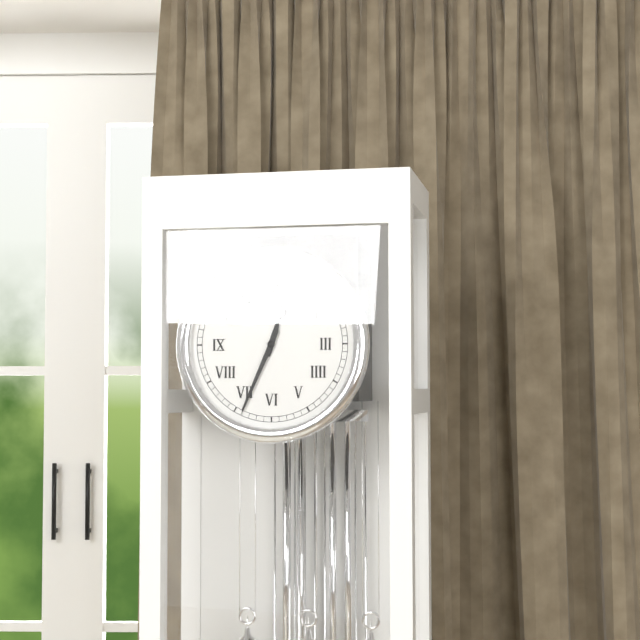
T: 12 h 34 min
